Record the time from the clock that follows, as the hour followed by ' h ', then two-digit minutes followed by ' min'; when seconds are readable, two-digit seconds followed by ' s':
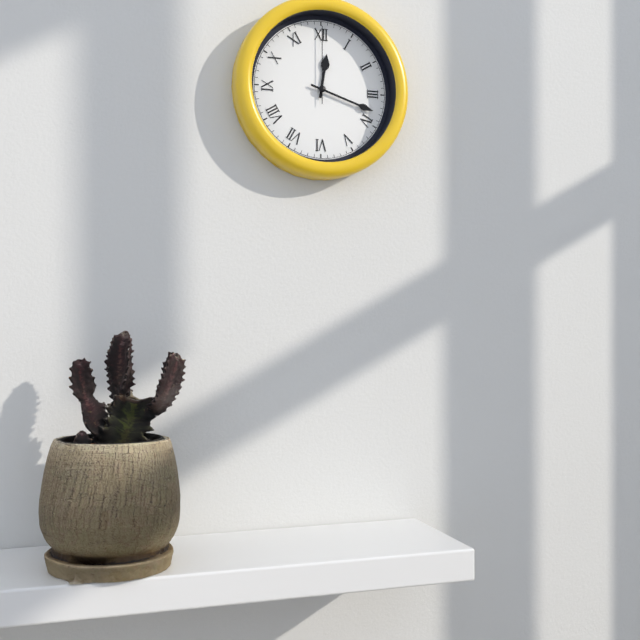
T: 12 h 18 min 00 s
